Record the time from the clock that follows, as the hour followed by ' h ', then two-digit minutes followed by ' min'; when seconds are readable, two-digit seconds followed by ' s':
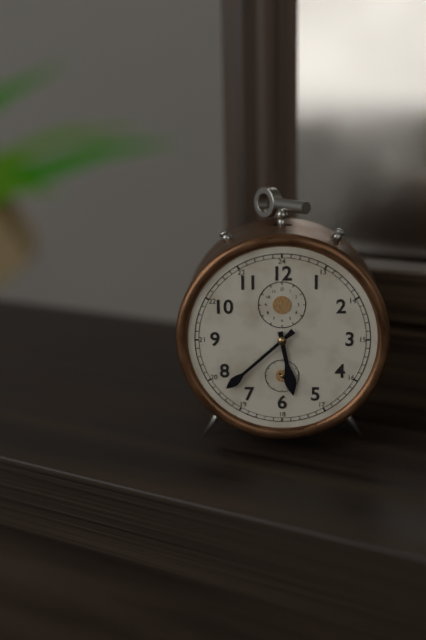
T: 5 h 38 min
